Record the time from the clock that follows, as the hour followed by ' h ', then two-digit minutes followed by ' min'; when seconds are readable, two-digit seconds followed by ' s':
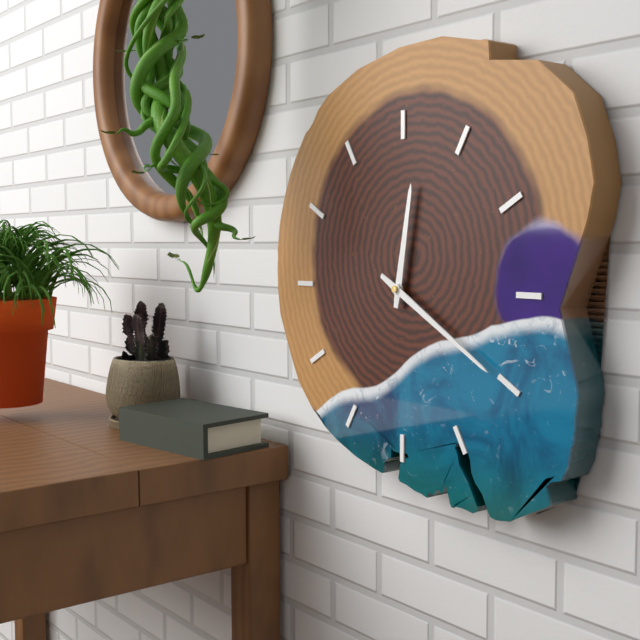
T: 12 h 20 min
